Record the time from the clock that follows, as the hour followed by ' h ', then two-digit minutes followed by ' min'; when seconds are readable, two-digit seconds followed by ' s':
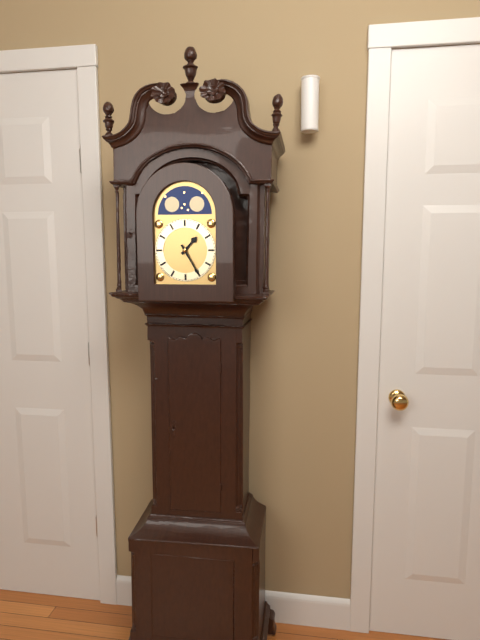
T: 1 h 25 min
